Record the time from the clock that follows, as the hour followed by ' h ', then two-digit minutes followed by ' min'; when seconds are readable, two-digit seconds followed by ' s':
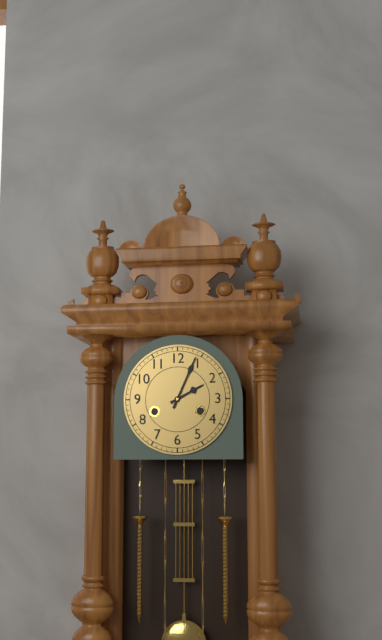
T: 2 h 04 min
